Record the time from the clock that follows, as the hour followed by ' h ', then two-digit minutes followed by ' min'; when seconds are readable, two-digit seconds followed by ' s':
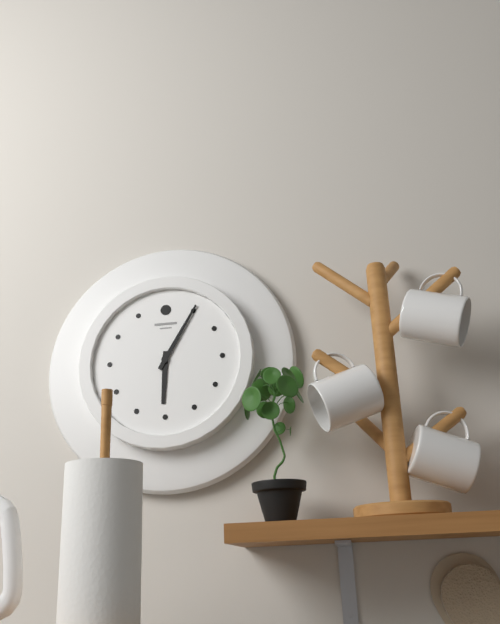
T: 6 h 05 min
